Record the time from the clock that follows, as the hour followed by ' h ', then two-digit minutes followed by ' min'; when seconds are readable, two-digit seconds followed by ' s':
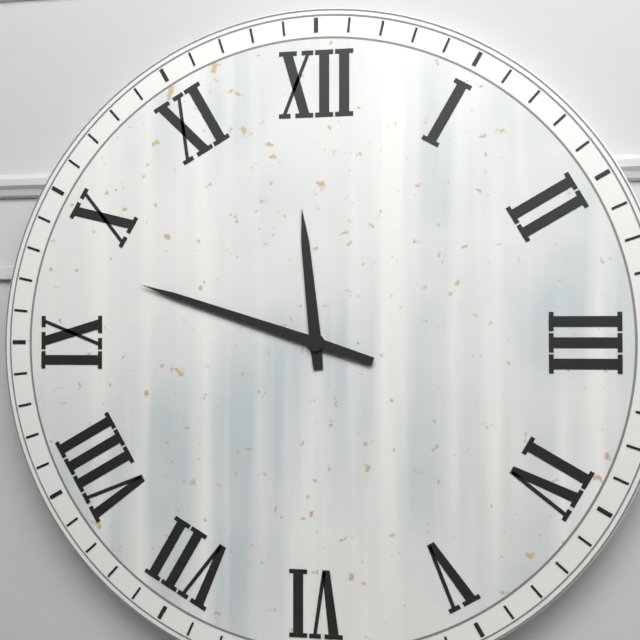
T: 11 h 48 min
